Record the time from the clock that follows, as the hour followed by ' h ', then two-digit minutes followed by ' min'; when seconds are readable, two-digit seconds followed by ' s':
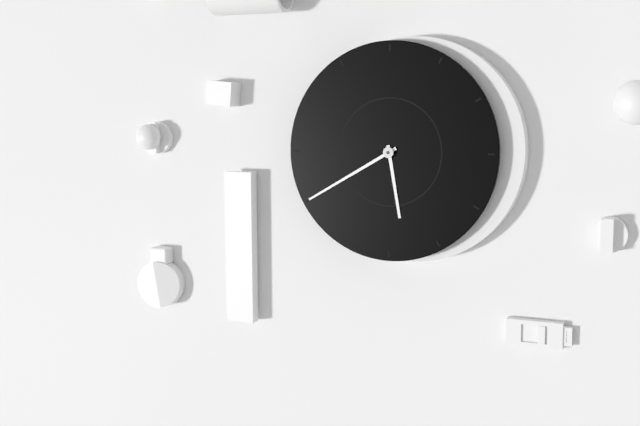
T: 5 h 40 min
